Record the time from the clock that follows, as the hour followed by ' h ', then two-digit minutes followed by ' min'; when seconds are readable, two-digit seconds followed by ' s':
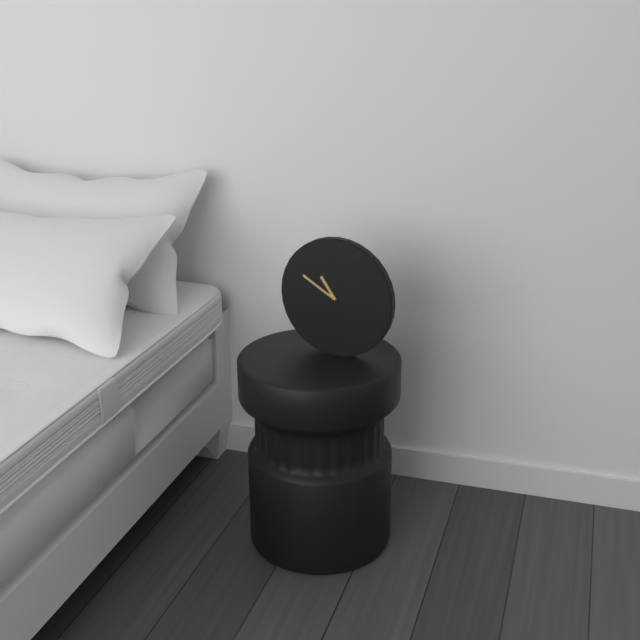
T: 10 h 50 min
